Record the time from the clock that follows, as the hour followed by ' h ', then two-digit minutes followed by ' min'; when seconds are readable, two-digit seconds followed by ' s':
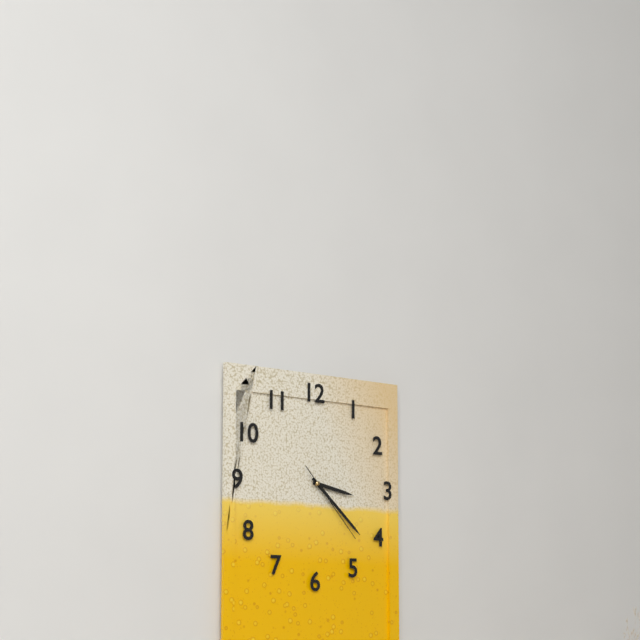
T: 3 h 22 min 23 s
